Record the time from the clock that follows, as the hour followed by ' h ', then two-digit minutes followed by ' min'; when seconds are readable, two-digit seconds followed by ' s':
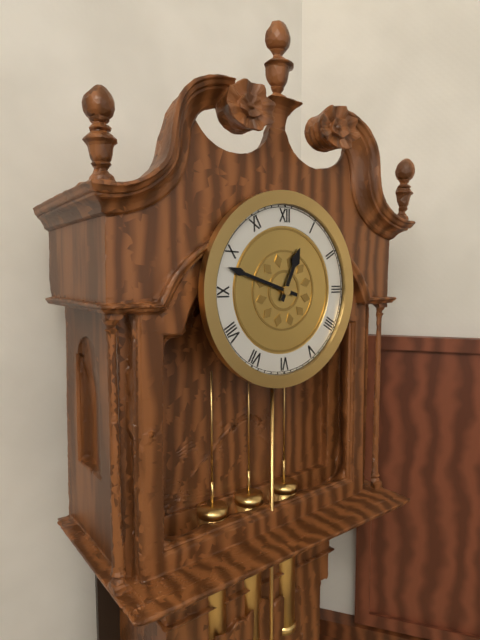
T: 12 h 48 min
